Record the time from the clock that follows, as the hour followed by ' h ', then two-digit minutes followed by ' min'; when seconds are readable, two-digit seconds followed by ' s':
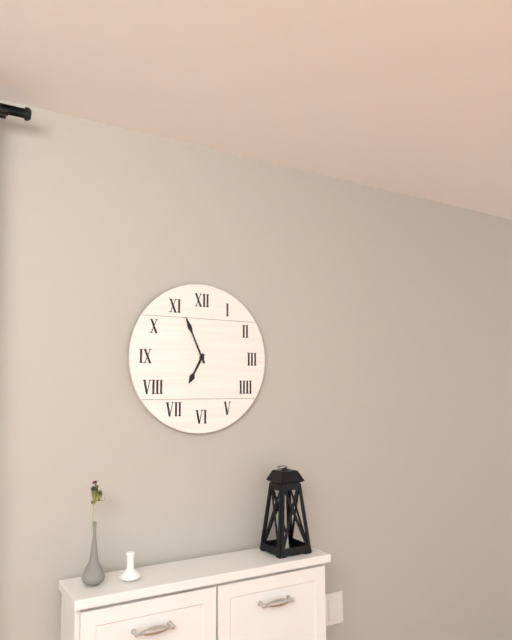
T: 6 h 56 min
